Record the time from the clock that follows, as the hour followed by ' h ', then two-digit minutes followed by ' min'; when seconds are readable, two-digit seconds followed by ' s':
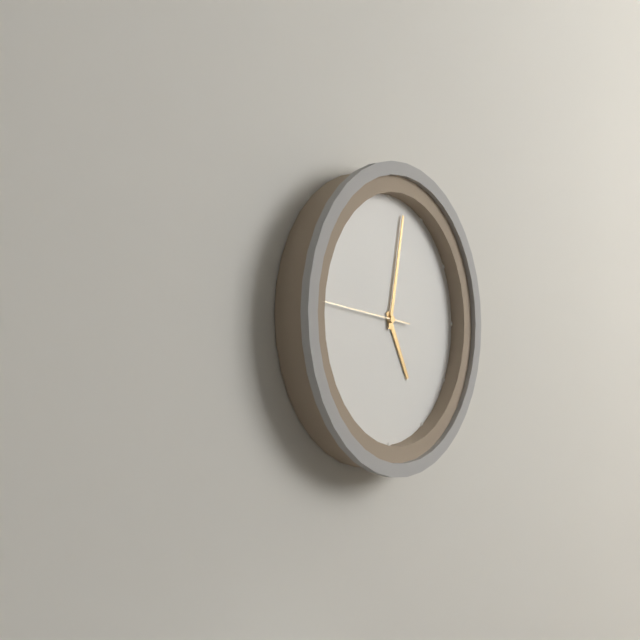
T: 5 h 02 min 46 s
